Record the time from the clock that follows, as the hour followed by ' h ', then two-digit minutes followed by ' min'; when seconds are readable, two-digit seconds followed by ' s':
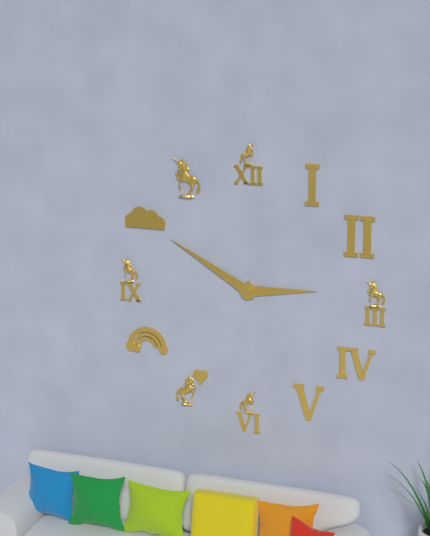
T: 2 h 50 min
